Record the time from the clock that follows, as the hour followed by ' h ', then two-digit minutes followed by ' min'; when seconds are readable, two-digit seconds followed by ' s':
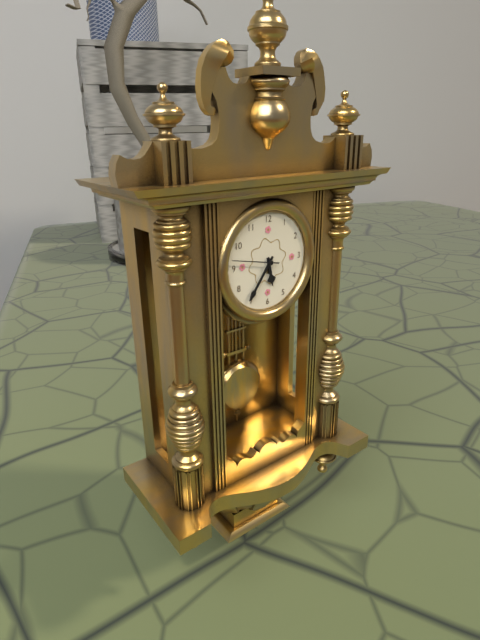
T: 5 h 36 min
